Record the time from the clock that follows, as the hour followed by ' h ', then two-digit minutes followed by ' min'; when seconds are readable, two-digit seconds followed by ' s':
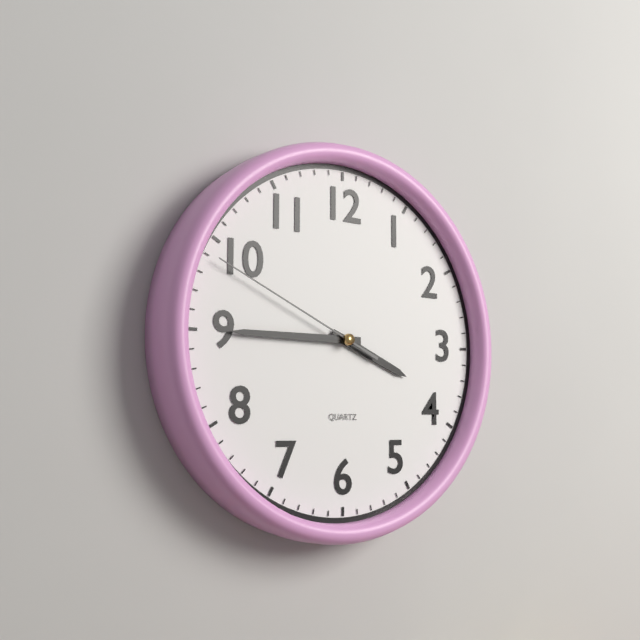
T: 3 h 45 min 49 s
